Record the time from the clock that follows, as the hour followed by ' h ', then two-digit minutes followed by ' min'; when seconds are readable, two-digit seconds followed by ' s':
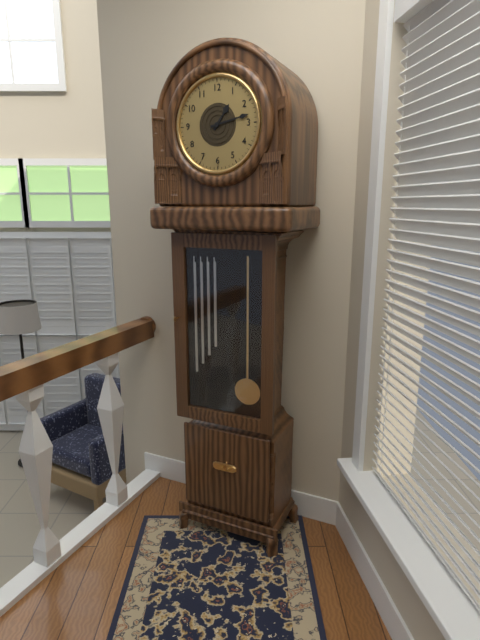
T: 1 h 13 min
